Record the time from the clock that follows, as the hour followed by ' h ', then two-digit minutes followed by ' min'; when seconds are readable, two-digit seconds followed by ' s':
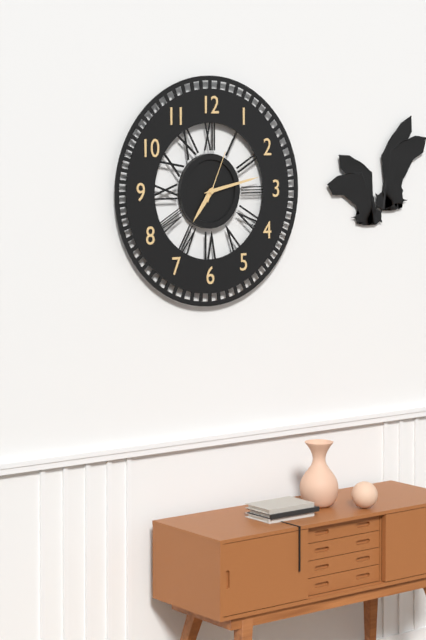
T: 7 h 13 min 04 s
